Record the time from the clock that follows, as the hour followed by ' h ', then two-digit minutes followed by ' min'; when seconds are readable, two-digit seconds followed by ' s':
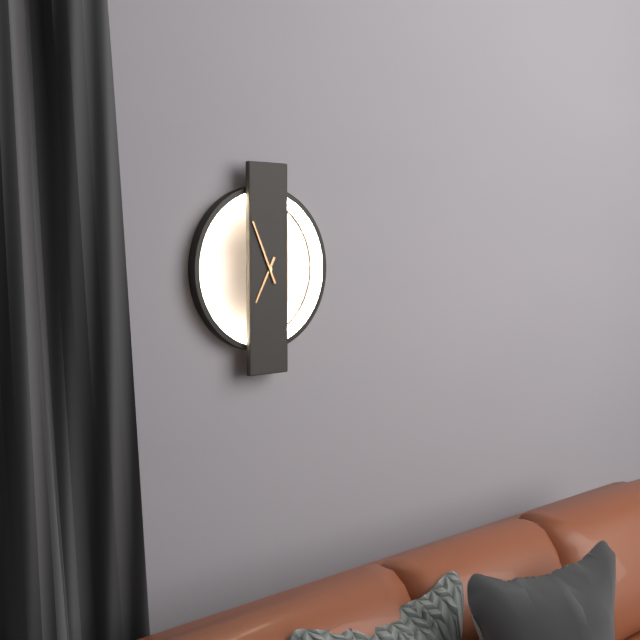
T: 6 h 56 min
